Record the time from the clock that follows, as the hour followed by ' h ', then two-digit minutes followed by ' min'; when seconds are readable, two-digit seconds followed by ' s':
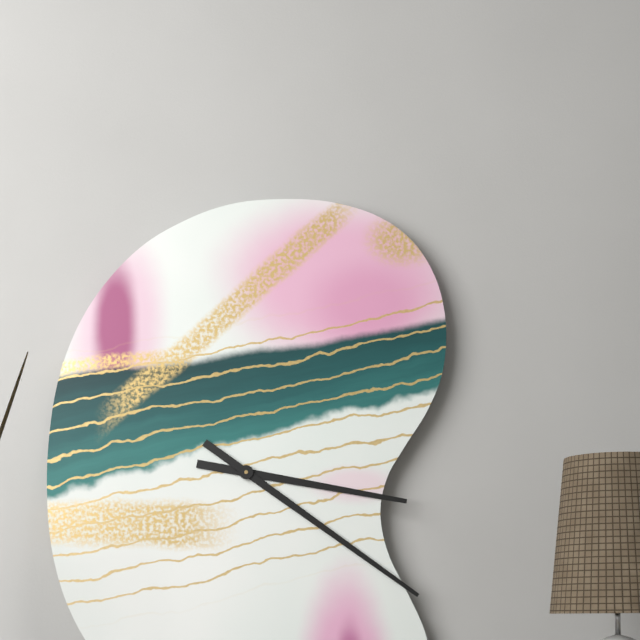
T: 3 h 21 min
